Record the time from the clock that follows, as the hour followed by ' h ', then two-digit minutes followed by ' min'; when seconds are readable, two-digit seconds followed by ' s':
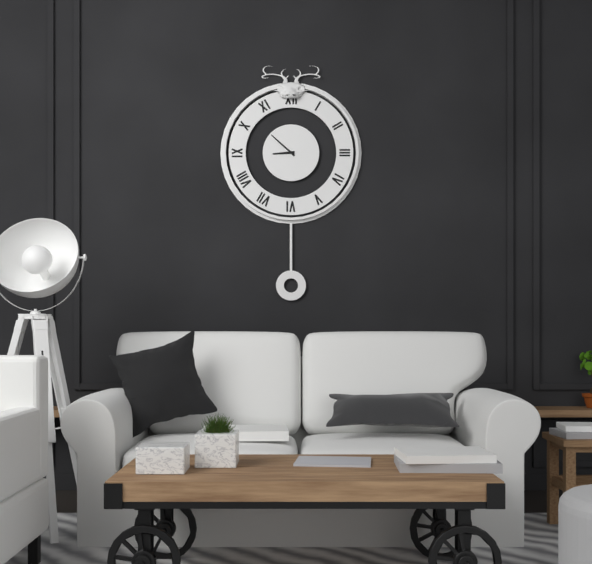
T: 8 h 52 min
